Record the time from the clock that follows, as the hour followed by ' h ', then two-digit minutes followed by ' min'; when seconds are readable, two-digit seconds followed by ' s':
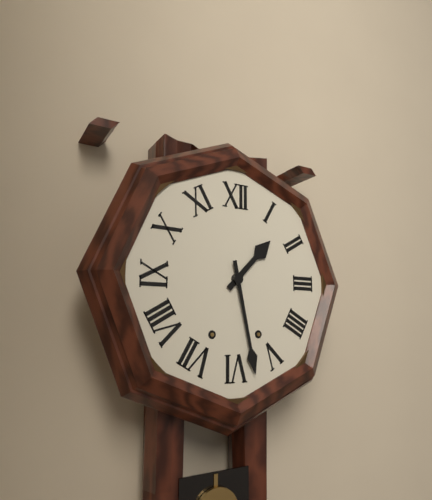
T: 1 h 28 min
